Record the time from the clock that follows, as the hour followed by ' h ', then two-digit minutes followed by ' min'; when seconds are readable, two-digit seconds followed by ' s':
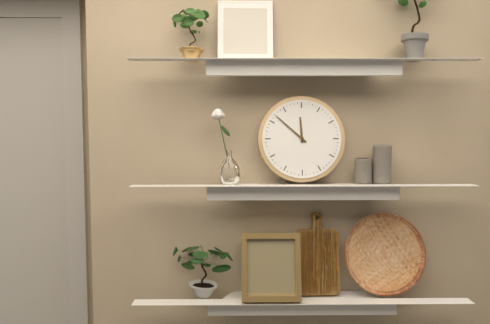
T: 11 h 52 min
